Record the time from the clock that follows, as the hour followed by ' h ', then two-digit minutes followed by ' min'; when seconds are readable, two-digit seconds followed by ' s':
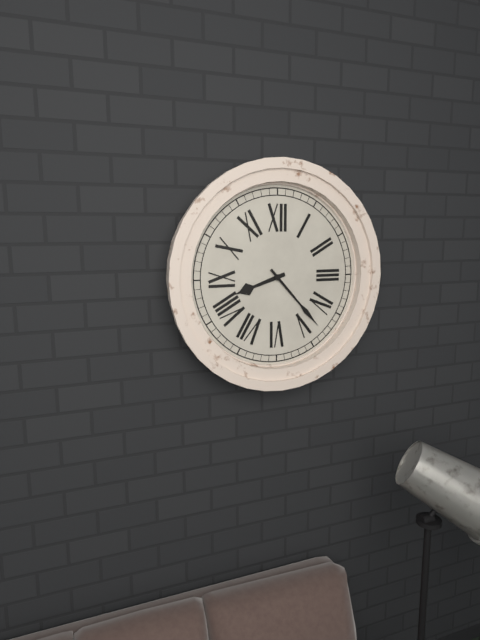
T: 8 h 23 min
